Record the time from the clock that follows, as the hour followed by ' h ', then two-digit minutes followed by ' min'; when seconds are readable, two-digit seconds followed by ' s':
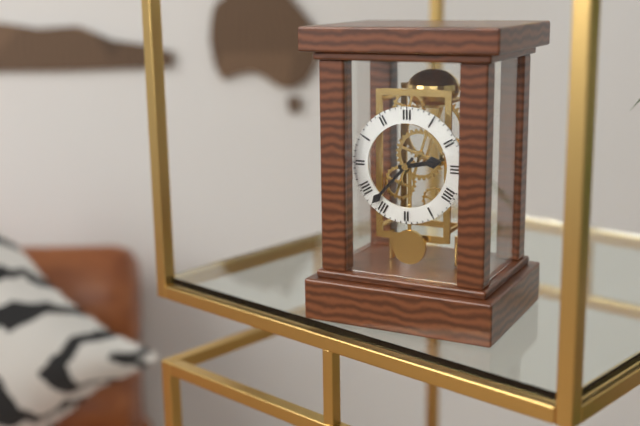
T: 2 h 37 min
